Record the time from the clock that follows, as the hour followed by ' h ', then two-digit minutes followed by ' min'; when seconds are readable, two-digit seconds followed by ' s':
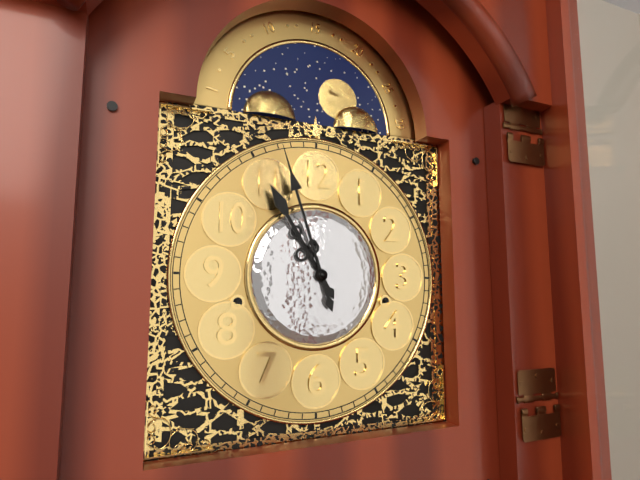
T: 10 h 57 min
